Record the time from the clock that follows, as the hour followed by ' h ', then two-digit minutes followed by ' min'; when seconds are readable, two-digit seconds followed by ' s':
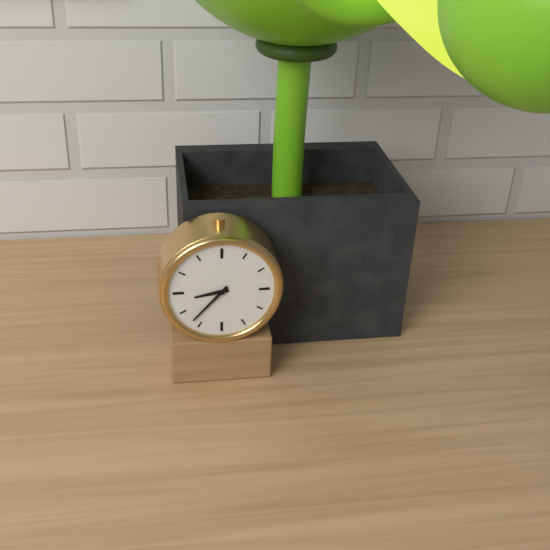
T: 8 h 37 min
